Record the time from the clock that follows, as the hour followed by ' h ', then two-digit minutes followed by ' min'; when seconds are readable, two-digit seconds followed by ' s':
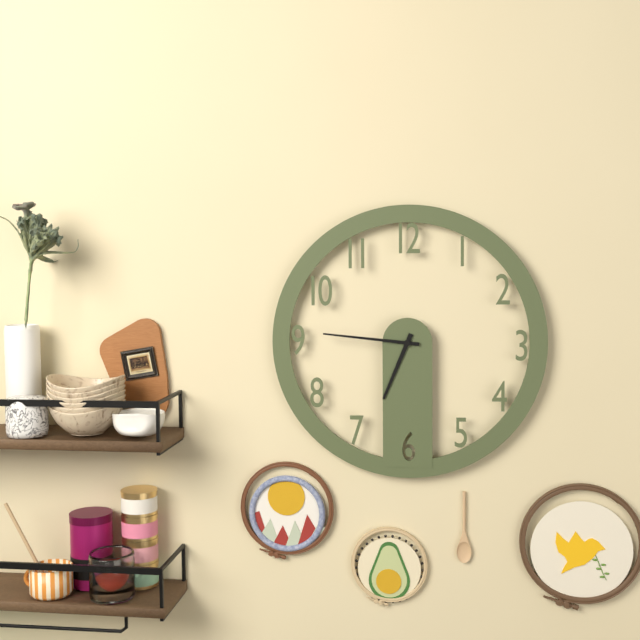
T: 6 h 46 min
